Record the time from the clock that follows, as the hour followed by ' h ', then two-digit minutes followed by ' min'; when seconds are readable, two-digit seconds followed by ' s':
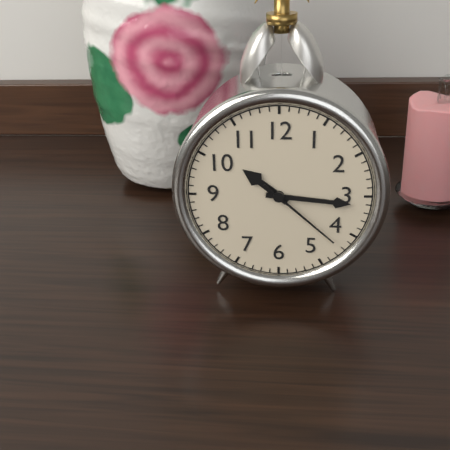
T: 10 h 16 min 22 s
